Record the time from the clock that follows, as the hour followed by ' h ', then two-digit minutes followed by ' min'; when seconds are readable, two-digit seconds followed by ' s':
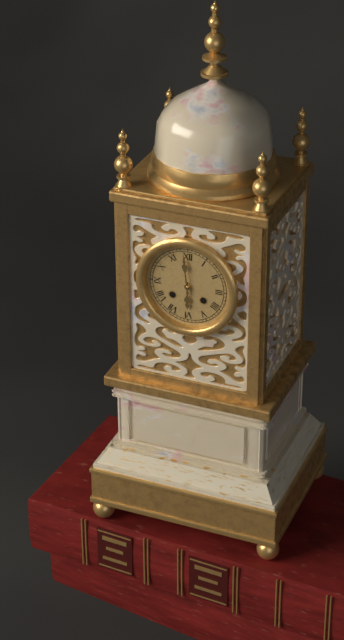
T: 5 h 59 min
